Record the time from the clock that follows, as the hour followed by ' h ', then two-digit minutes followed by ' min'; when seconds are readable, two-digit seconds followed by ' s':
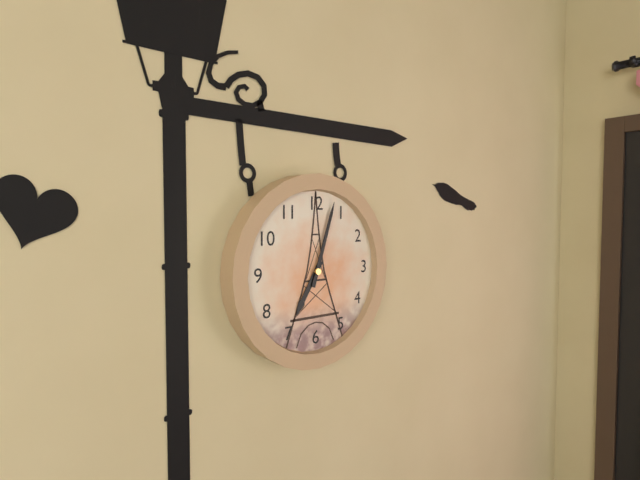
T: 7 h 03 min
